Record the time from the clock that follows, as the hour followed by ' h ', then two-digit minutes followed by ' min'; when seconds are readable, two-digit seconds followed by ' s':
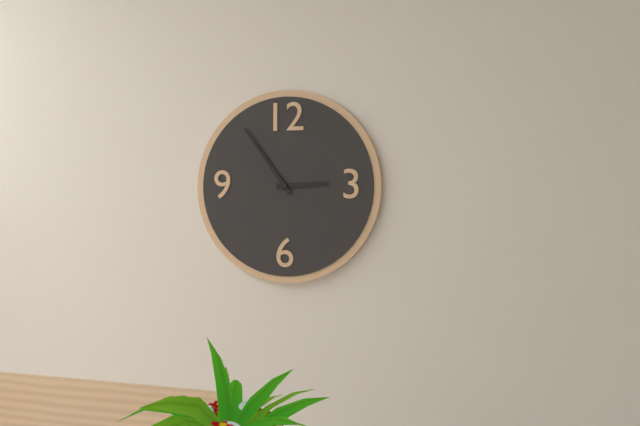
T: 2 h 54 min
